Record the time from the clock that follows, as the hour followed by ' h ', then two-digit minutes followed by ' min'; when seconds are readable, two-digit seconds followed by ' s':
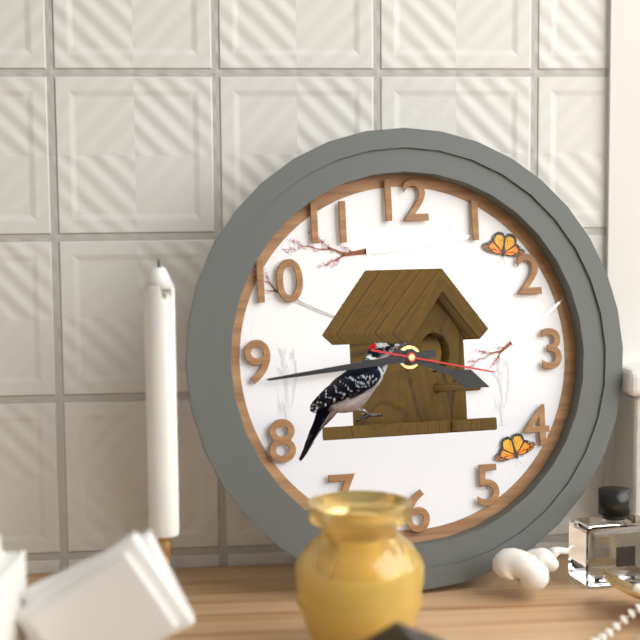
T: 3 h 44 min 17 s
